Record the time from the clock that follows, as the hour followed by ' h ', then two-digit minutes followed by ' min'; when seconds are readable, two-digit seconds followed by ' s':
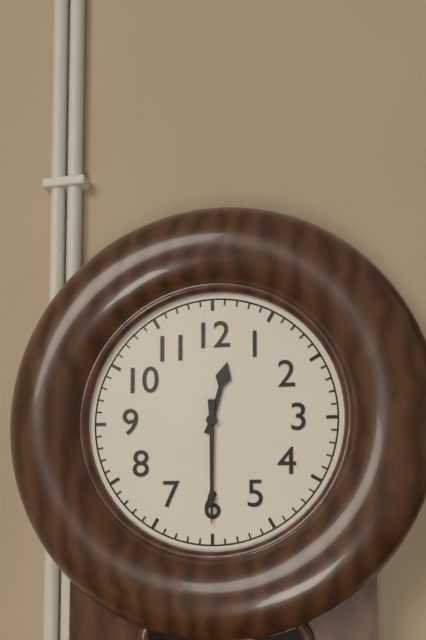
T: 12 h 30 min
